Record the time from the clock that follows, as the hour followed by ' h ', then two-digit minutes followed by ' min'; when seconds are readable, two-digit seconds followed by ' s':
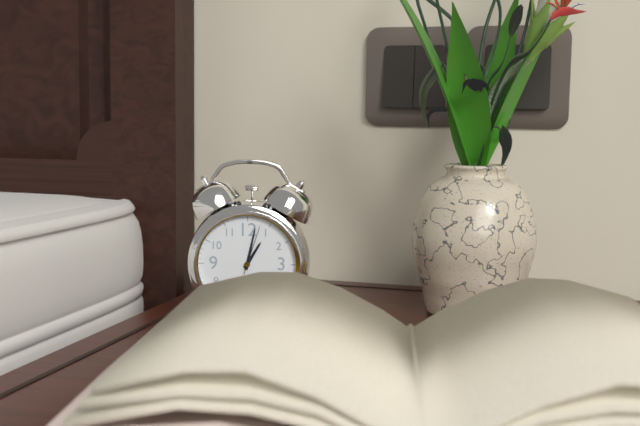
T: 1 h 02 min 03 s
